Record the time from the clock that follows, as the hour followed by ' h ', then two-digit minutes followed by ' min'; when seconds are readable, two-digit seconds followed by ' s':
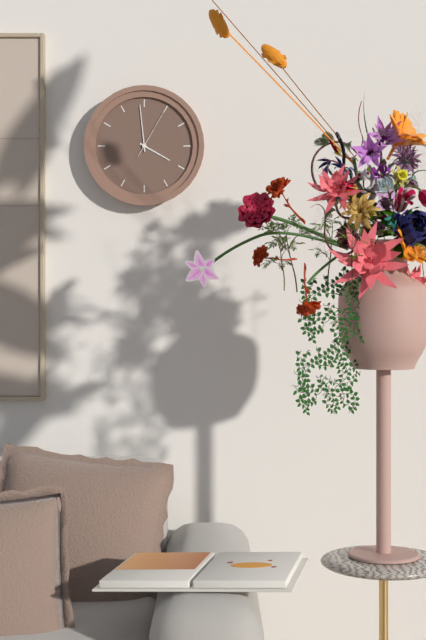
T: 3 h 59 min 05 s
